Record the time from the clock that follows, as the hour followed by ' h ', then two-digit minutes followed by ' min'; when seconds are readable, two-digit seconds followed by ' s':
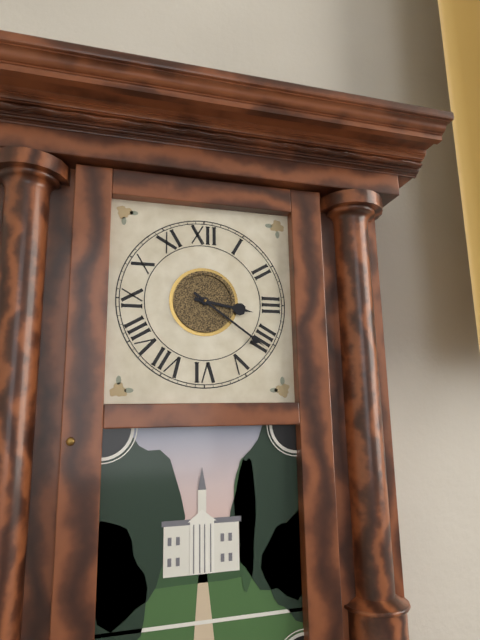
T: 3 h 21 min
